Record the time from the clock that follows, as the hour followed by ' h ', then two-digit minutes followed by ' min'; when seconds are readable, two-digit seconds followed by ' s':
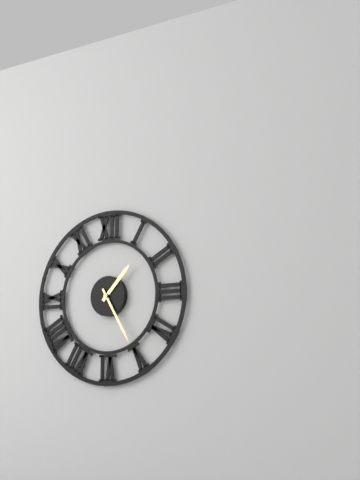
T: 1 h 25 min
